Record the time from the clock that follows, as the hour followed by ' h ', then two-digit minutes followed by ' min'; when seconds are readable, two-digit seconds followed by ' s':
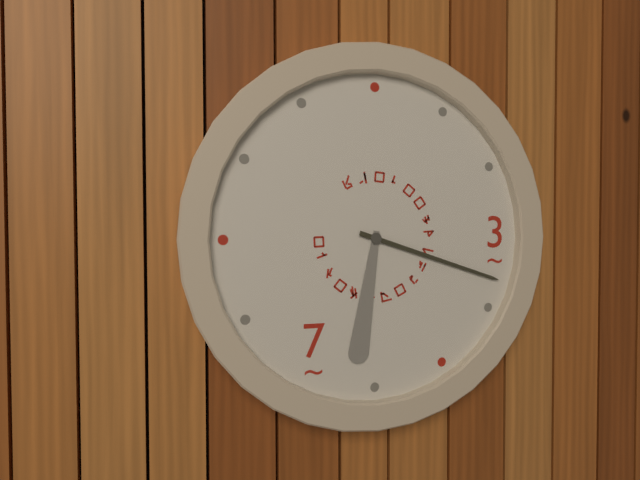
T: 6 h 18 min
